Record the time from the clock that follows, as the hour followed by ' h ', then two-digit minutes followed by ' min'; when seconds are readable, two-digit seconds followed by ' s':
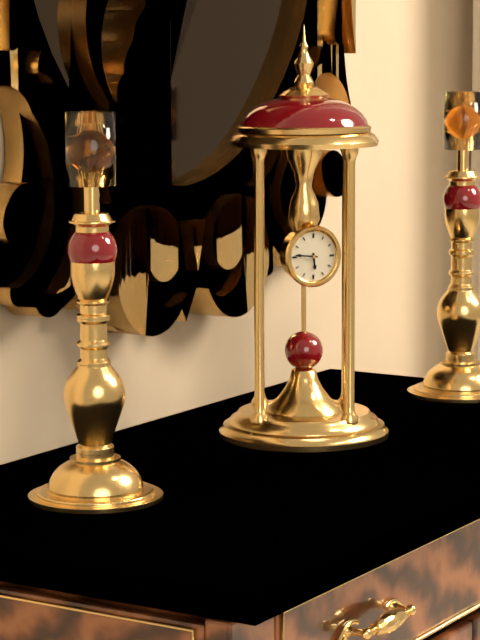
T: 5 h 46 min
